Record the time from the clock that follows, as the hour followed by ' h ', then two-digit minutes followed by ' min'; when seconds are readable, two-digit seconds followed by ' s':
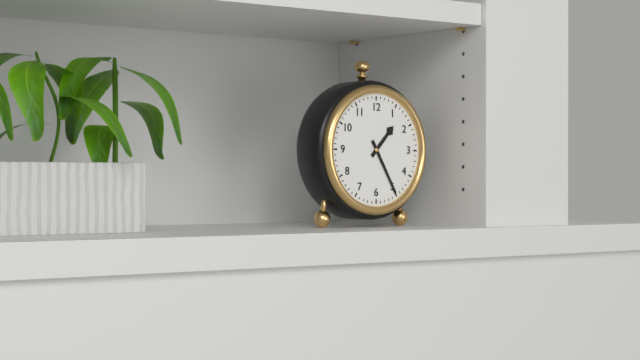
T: 1 h 25 min
